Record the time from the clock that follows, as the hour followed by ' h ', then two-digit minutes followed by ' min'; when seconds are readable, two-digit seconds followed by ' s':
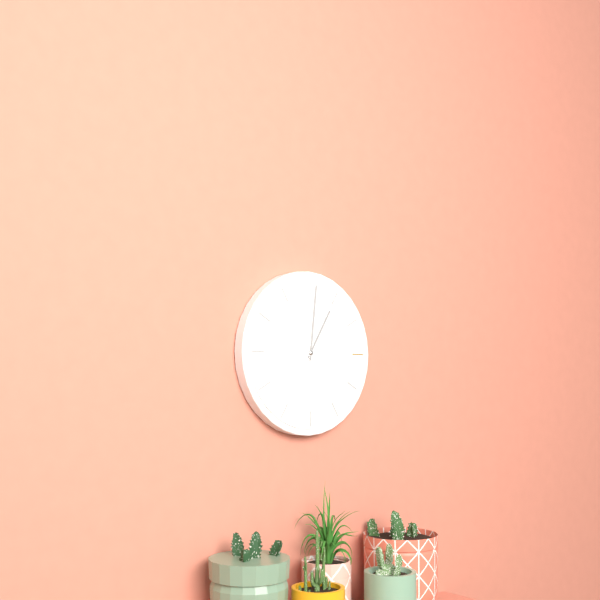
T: 1 h 01 min
